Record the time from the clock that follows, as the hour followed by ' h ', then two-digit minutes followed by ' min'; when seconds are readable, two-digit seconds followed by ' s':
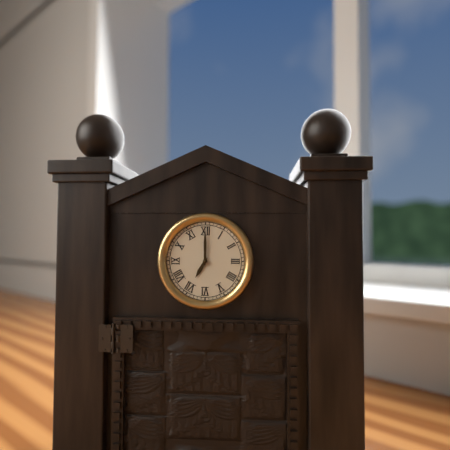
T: 7 h 00 min
